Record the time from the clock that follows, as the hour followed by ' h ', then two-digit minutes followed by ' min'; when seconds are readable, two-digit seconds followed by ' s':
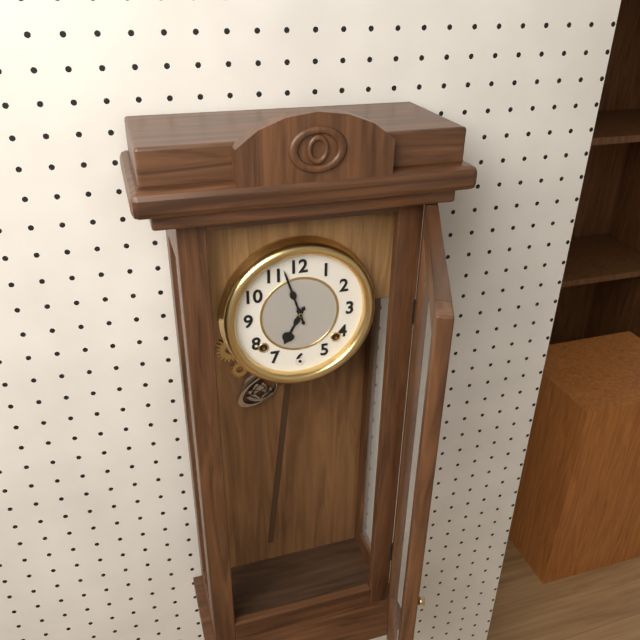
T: 6 h 57 min
